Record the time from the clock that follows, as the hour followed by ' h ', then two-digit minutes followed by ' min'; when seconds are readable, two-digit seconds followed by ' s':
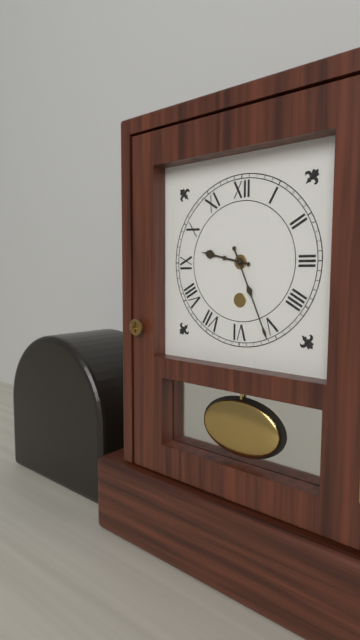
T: 9 h 26 min
